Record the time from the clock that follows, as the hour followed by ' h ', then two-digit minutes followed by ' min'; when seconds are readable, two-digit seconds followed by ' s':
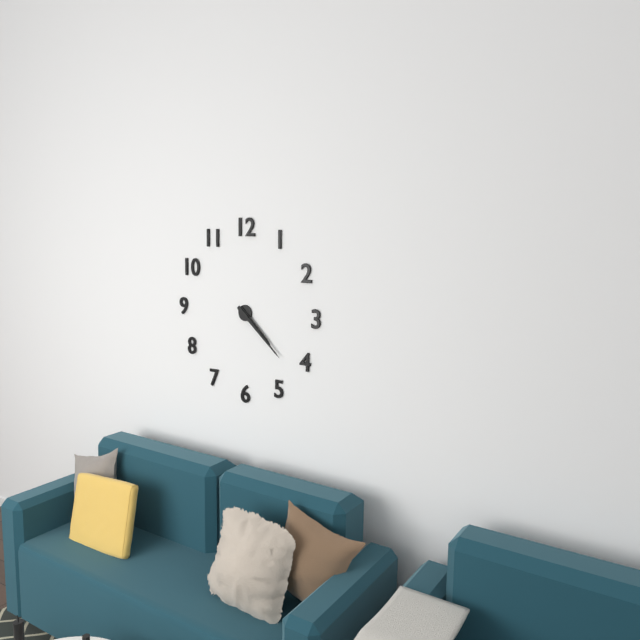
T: 4 h 22 min
